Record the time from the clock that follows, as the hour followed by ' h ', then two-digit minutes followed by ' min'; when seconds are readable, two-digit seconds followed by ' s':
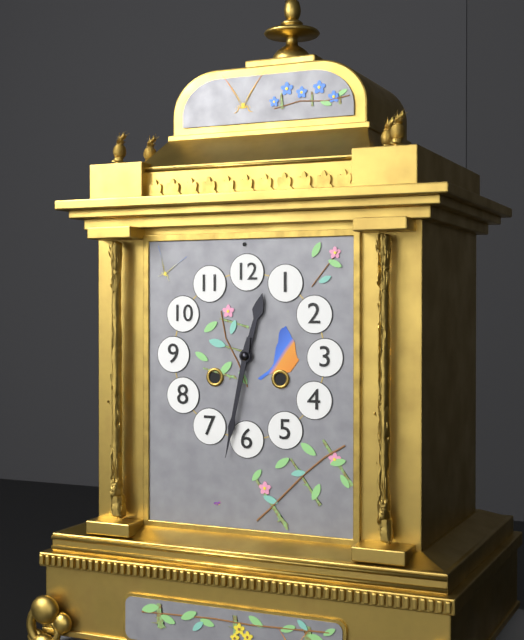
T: 12 h 32 min
